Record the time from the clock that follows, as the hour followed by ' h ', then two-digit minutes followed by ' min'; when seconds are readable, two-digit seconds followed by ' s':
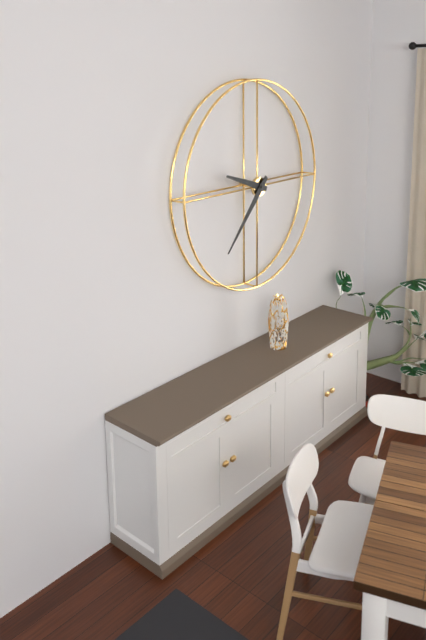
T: 9 h 37 min
